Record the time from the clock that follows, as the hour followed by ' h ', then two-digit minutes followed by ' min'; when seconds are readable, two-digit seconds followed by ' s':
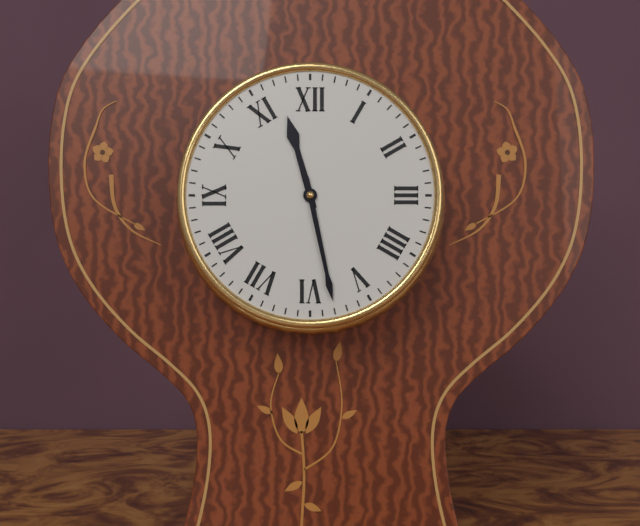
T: 11 h 28 min
